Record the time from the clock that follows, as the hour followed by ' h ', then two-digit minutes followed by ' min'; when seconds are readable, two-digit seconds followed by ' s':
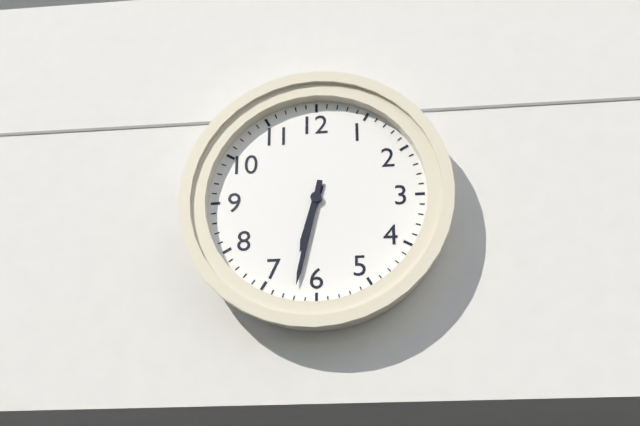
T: 6 h 32 min
